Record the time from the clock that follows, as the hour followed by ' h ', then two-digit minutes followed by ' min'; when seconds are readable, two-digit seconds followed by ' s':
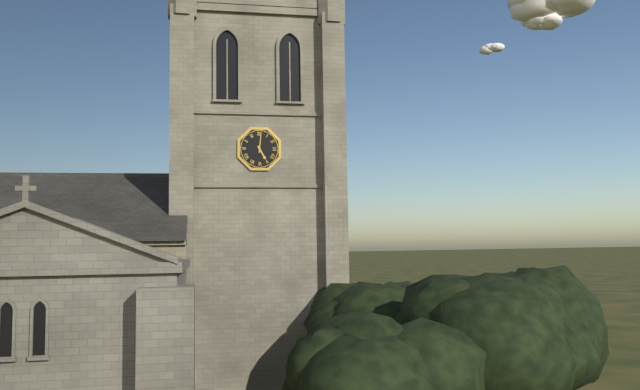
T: 5 h 01 min
